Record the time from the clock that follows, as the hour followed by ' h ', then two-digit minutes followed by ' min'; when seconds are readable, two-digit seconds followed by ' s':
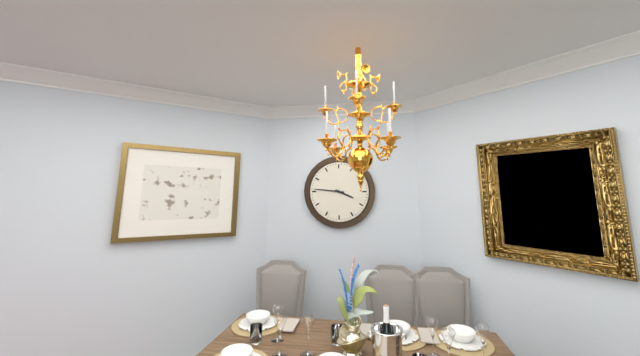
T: 3 h 46 min
